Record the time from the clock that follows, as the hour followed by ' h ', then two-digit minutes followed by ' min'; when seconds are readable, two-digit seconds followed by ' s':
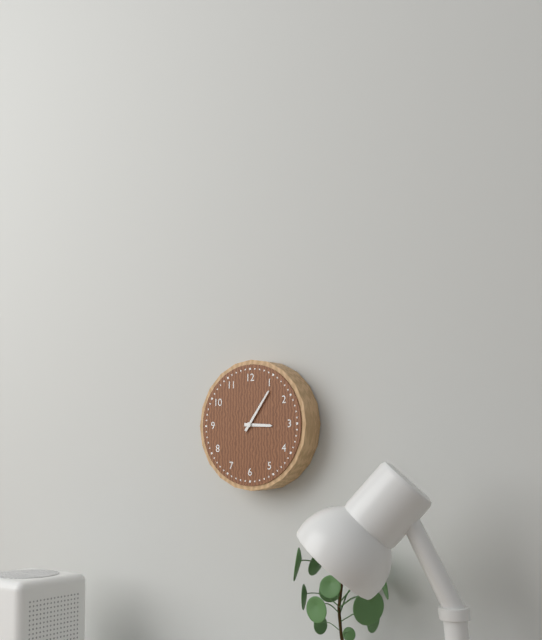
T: 3 h 06 min
